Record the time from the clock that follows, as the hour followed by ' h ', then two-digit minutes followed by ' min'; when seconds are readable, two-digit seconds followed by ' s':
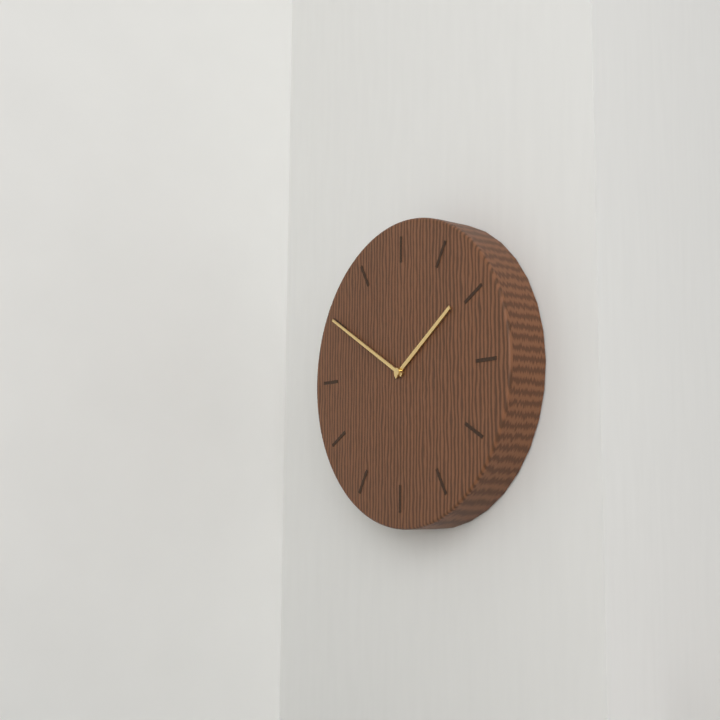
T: 1 h 50 min
